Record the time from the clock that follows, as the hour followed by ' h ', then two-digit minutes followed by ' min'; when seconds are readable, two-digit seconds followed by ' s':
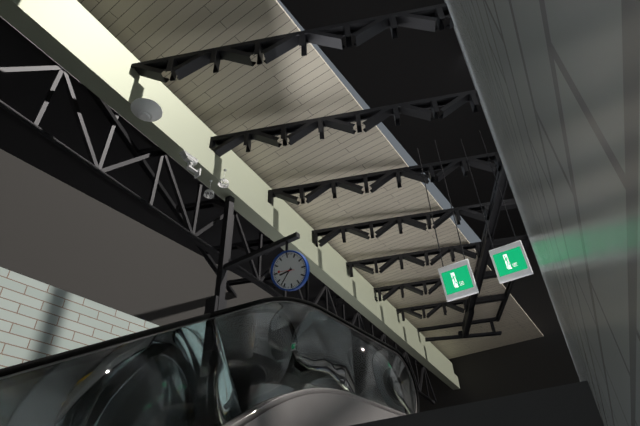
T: 8 h 37 min
